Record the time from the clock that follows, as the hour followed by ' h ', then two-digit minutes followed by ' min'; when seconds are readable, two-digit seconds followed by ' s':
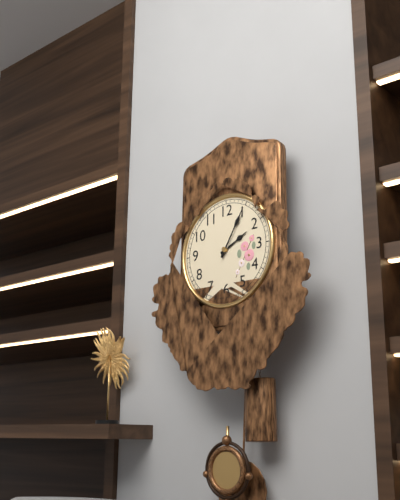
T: 2 h 05 min
